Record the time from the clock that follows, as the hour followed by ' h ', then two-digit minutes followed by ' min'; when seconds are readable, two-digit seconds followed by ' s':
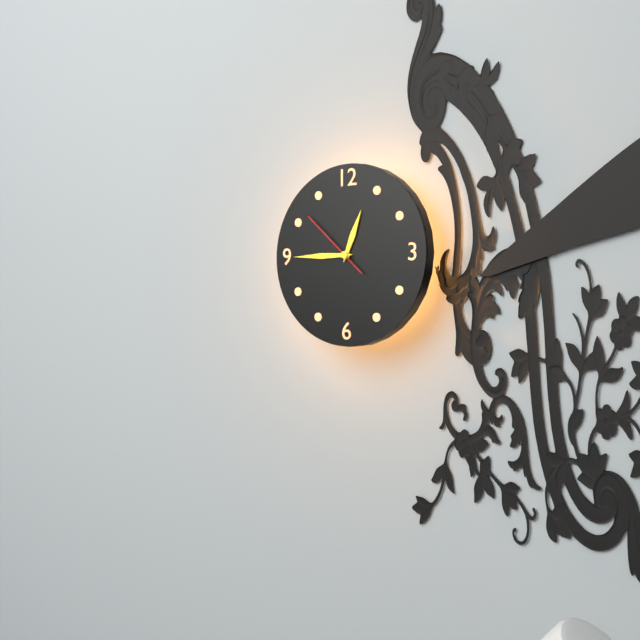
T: 12 h 45 min 52 s
